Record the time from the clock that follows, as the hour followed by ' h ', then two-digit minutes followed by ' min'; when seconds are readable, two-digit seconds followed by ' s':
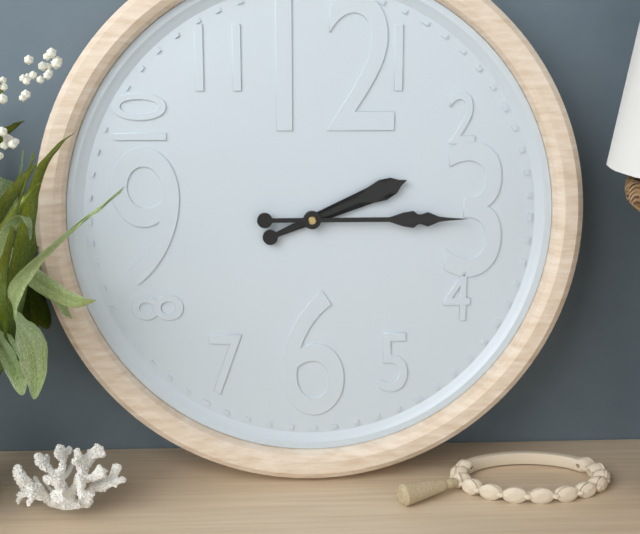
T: 2 h 15 min
